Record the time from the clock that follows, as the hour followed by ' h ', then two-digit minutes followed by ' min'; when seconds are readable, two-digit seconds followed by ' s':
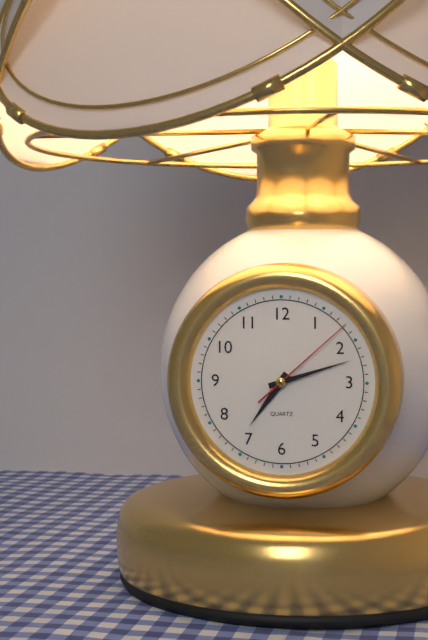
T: 7 h 12 min 08 s
